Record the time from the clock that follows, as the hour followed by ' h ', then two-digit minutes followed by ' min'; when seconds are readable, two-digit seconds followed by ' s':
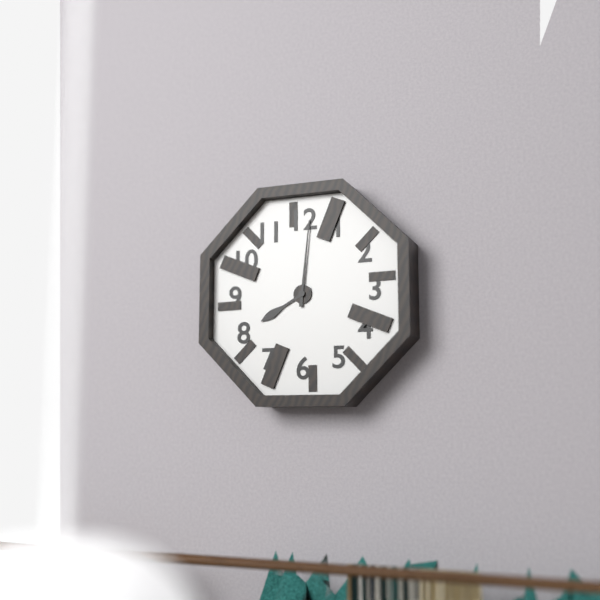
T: 8 h 01 min
